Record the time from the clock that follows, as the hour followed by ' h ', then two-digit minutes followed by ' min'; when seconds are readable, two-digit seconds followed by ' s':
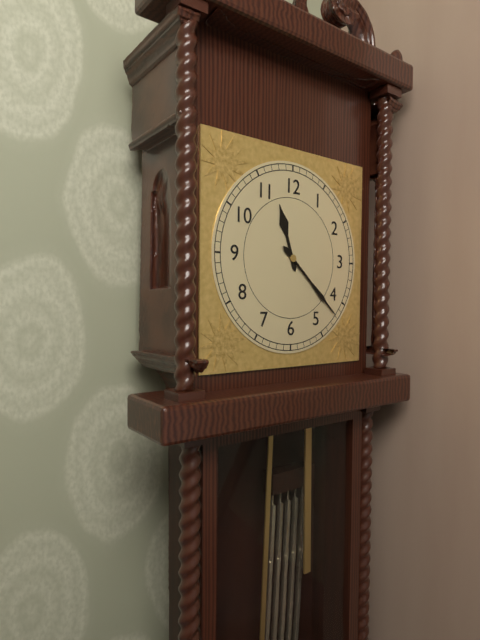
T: 11 h 22 min
